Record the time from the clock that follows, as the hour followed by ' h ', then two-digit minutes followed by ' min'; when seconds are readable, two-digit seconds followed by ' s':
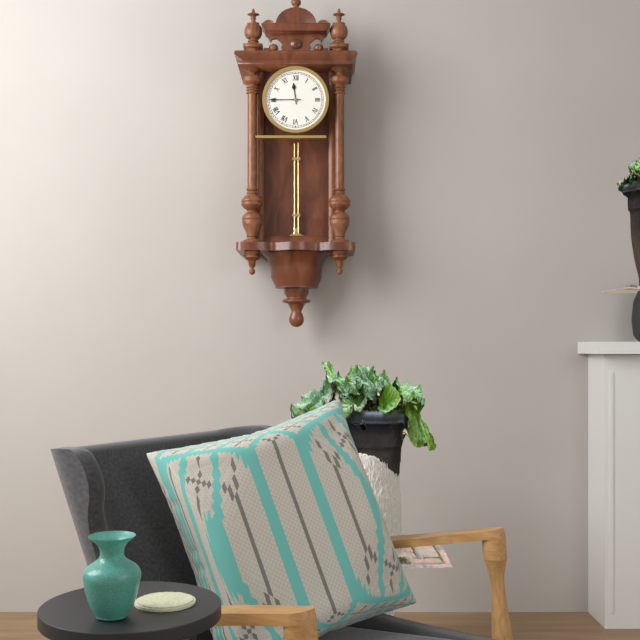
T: 11 h 45 min
